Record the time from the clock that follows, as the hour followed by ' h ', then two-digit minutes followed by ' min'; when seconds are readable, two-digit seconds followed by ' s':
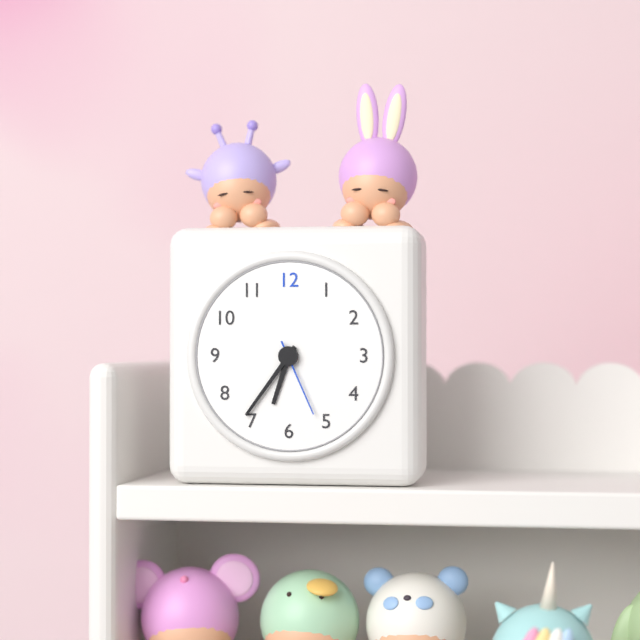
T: 6 h 36 min 26 s
